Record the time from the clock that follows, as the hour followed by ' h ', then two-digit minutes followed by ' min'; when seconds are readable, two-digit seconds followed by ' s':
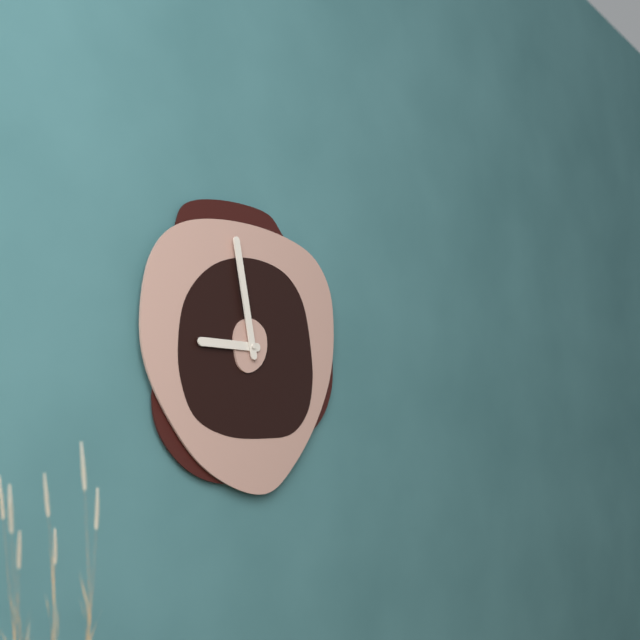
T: 8 h 58 min
